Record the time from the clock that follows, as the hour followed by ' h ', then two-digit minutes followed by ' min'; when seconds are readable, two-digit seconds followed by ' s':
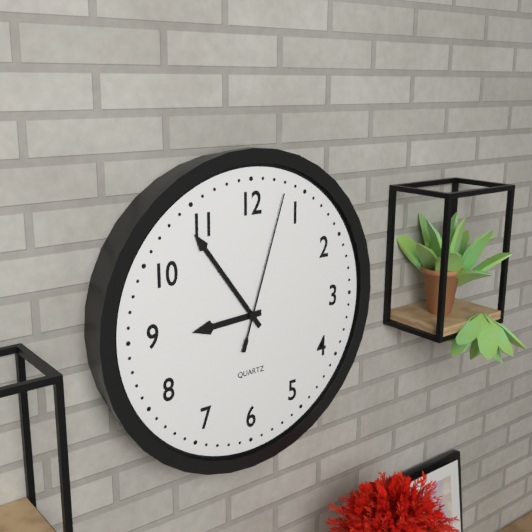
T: 8 h 54 min 03 s
